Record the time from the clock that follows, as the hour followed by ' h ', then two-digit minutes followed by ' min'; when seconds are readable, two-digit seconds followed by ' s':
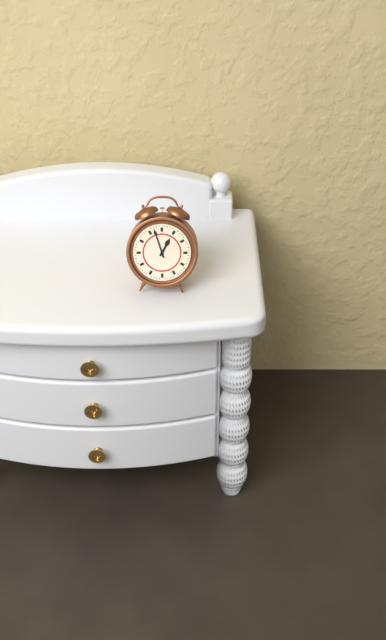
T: 12 h 57 min
